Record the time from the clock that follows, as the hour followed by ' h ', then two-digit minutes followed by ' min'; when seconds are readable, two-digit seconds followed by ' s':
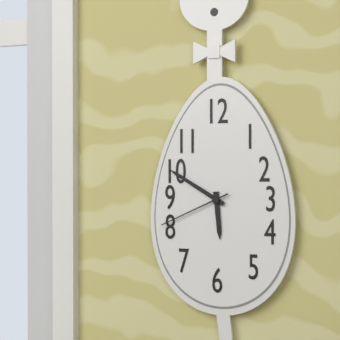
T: 5 h 50 min 41 s
